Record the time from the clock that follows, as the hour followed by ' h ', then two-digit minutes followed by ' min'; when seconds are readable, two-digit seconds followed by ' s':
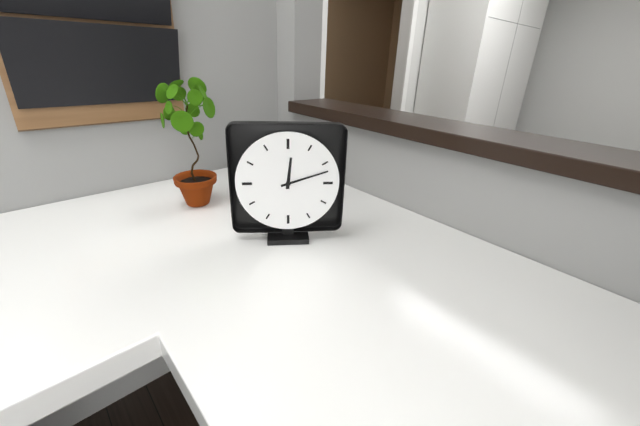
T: 12 h 12 min
